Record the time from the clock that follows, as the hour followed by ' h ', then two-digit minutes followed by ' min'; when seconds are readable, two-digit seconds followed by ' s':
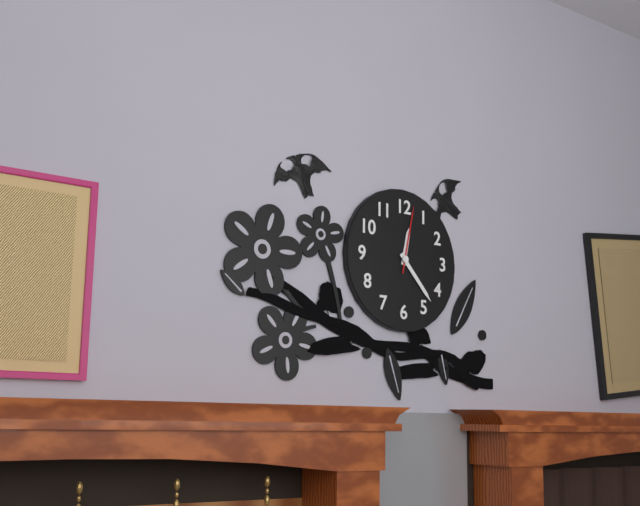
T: 12 h 23 min 02 s
